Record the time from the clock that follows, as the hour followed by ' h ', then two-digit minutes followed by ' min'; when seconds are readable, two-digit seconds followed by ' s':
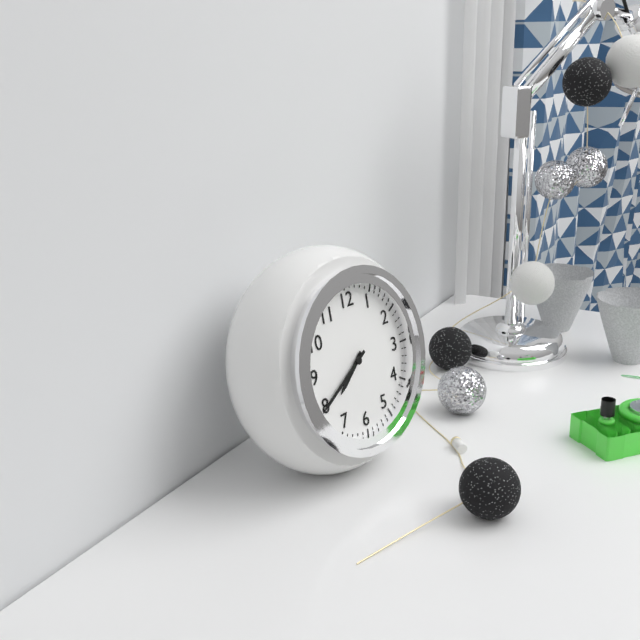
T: 7 h 40 min
